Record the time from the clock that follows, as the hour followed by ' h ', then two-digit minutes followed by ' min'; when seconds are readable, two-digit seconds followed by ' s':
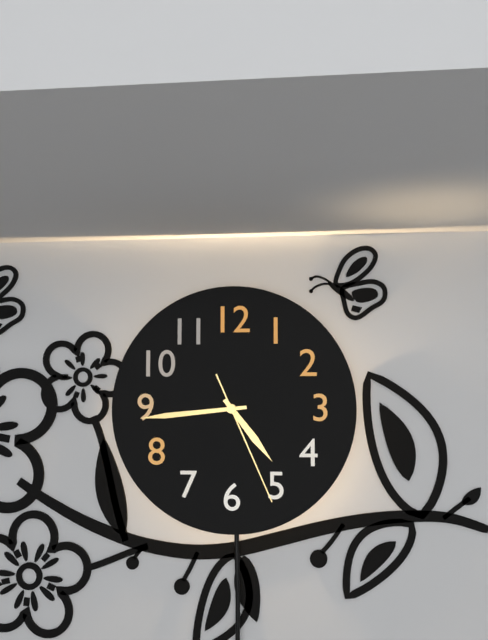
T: 4 h 44 min 26 s
